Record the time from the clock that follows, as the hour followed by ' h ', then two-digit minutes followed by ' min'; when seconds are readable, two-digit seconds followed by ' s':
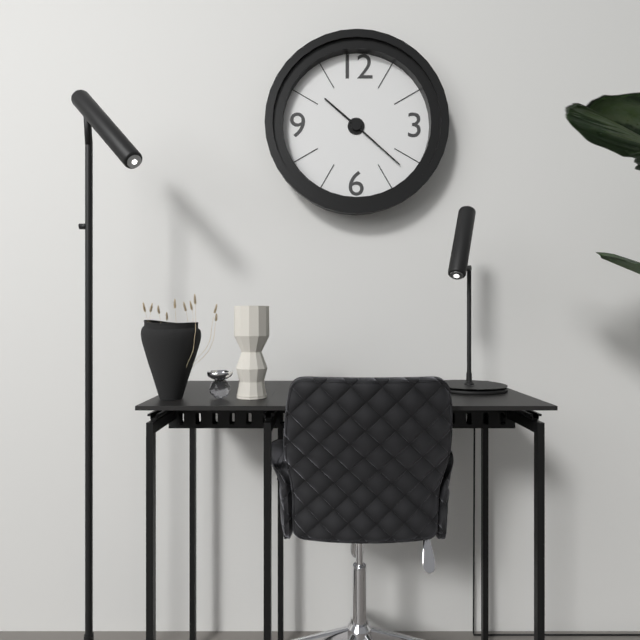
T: 10 h 22 min
